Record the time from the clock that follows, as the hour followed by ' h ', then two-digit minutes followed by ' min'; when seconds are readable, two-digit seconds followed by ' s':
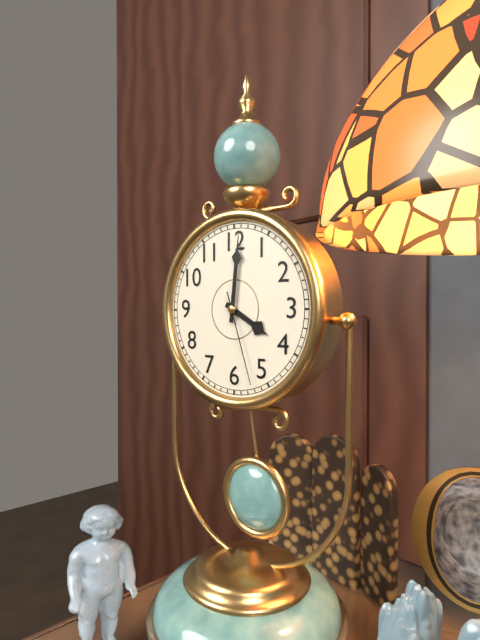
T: 4 h 01 min 27 s
